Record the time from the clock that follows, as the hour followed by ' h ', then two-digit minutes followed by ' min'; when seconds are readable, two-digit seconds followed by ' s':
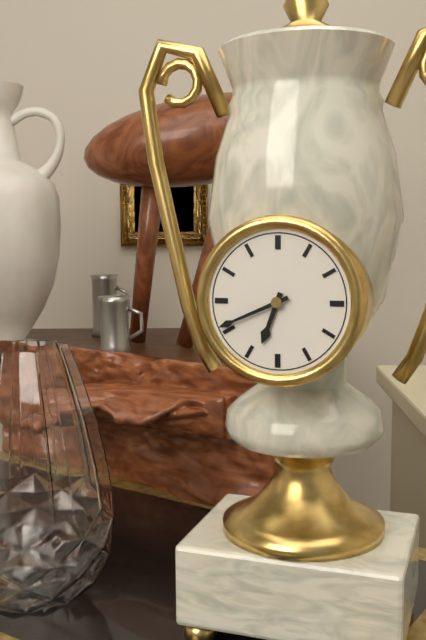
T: 6 h 41 min
